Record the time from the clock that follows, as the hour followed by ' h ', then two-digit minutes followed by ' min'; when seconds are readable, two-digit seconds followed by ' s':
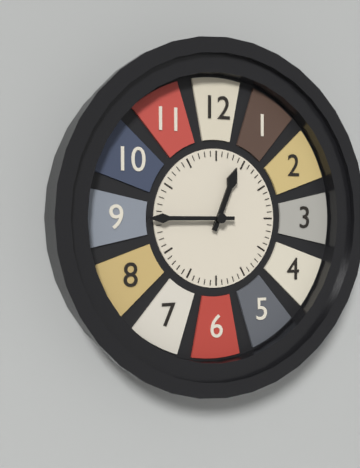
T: 12 h 45 min
